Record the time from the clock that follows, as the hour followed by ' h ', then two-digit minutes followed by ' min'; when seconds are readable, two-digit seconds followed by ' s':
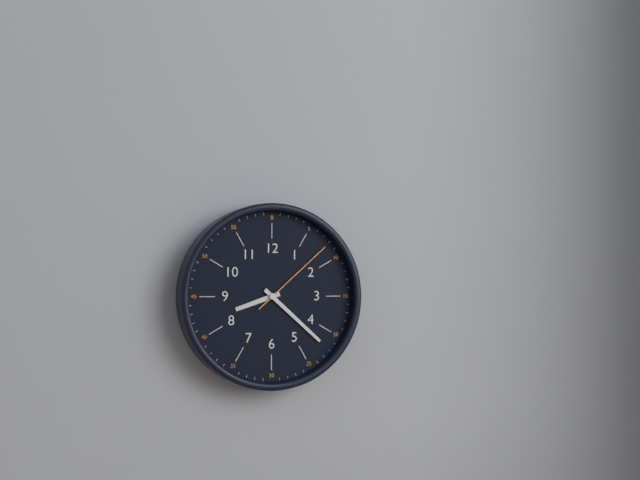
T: 8 h 22 min 08 s
